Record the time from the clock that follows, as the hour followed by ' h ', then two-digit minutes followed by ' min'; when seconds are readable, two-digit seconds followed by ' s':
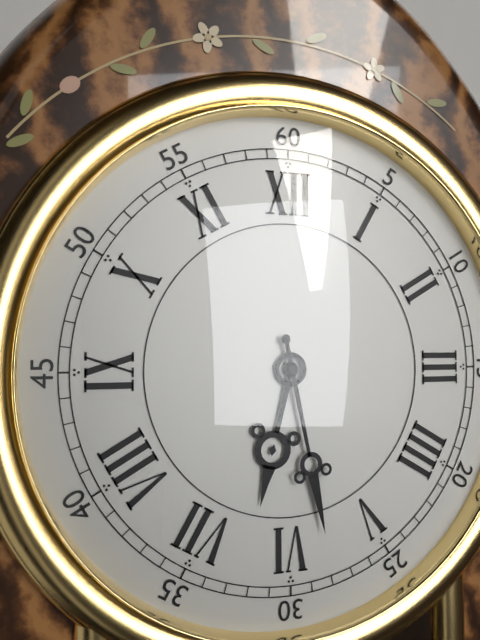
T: 6 h 28 min
